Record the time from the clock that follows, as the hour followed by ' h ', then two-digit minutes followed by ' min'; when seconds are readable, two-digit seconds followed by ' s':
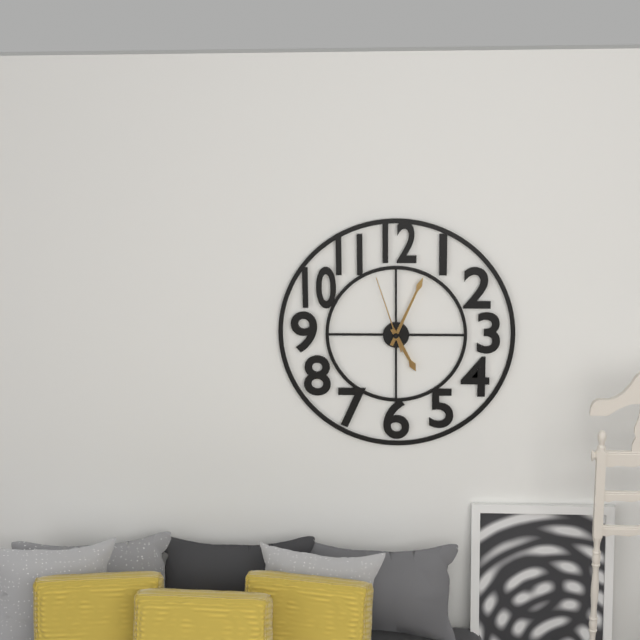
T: 5 h 04 min 57 s
